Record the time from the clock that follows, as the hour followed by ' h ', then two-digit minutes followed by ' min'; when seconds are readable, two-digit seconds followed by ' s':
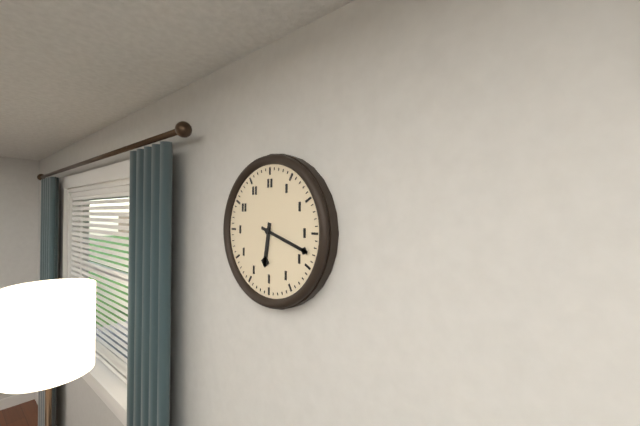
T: 6 h 18 min
